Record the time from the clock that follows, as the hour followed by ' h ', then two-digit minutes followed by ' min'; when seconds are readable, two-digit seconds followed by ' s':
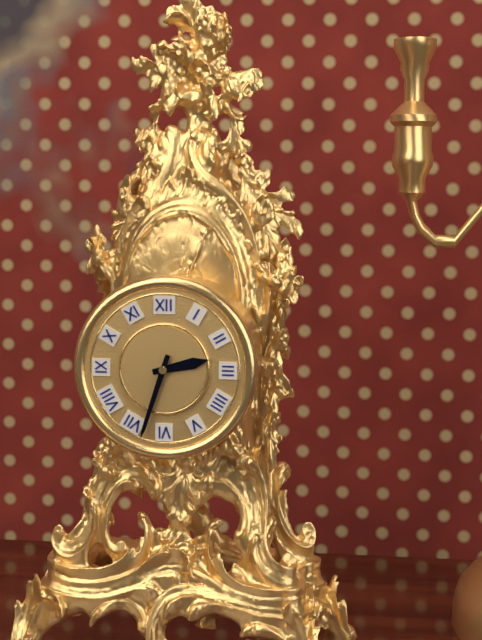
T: 2 h 33 min
